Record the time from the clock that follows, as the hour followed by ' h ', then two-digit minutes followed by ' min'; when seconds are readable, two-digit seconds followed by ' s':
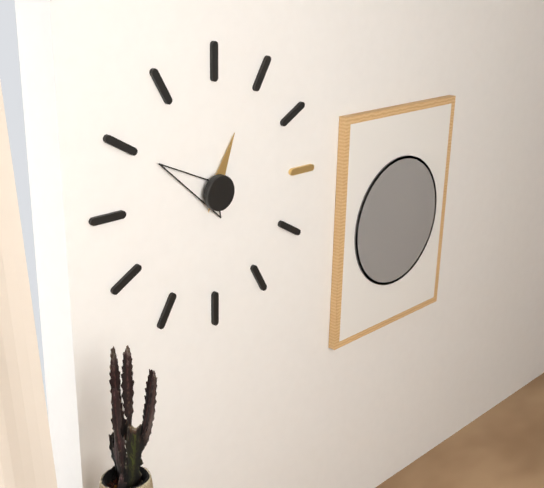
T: 12 h 50 min
